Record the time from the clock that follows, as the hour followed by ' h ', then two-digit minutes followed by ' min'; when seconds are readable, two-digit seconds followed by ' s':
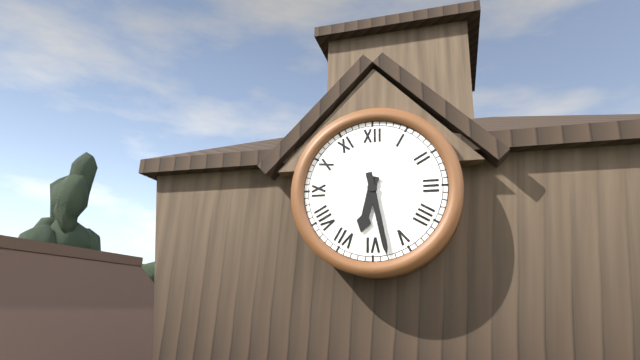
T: 6 h 28 min
